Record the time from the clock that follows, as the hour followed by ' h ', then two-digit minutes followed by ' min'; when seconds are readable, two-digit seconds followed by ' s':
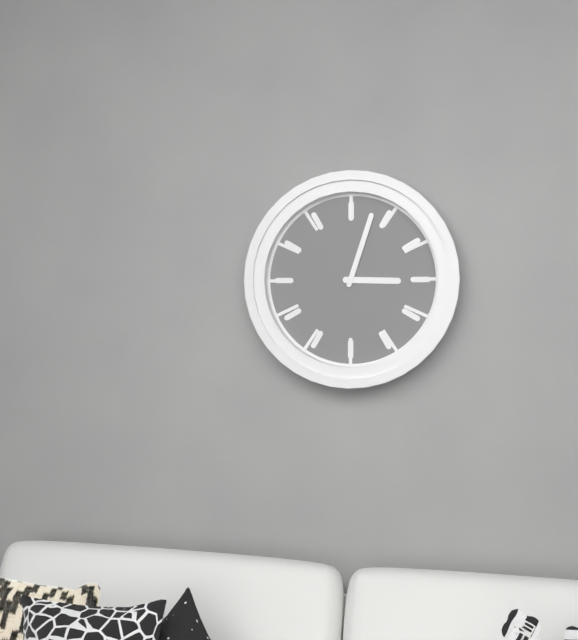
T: 3 h 03 min
